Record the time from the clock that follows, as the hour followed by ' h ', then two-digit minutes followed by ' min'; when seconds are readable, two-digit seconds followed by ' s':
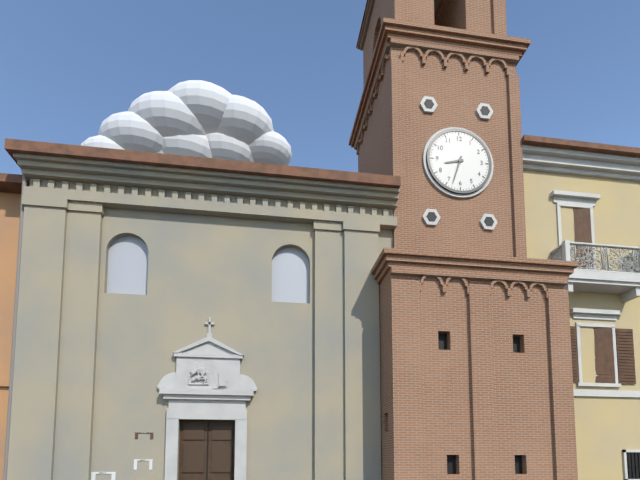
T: 8 h 33 min
